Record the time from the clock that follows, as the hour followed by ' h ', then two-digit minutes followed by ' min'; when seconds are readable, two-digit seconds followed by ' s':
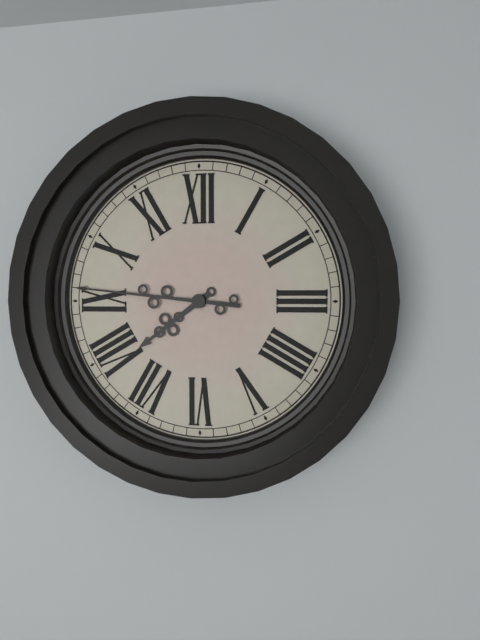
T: 7 h 46 min
